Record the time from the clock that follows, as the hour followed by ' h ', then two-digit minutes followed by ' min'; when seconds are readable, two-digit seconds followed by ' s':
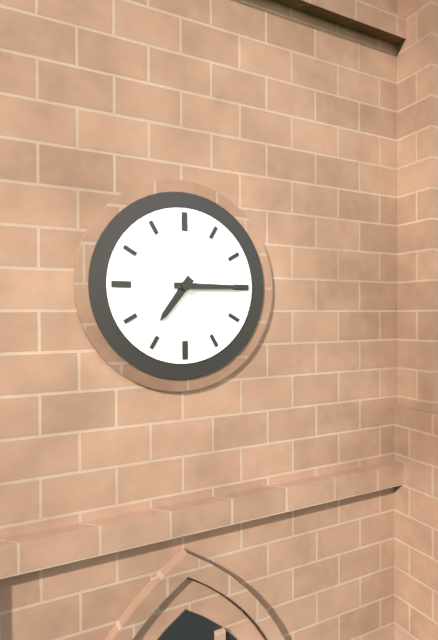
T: 7 h 15 min
